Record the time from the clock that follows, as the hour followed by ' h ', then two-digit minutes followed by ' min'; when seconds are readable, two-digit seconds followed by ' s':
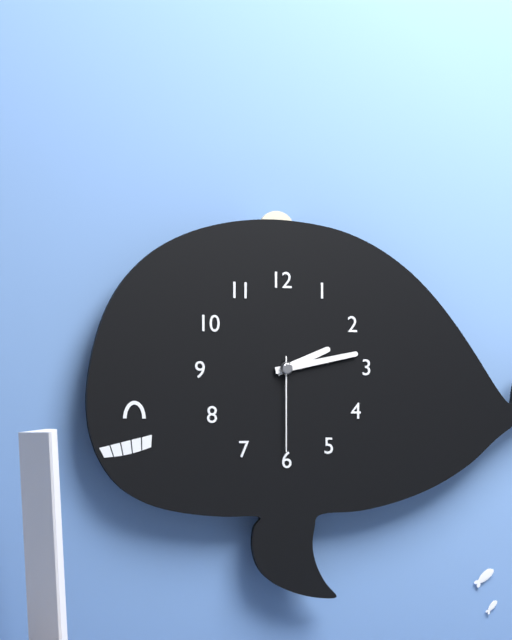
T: 2 h 13 min 30 s
